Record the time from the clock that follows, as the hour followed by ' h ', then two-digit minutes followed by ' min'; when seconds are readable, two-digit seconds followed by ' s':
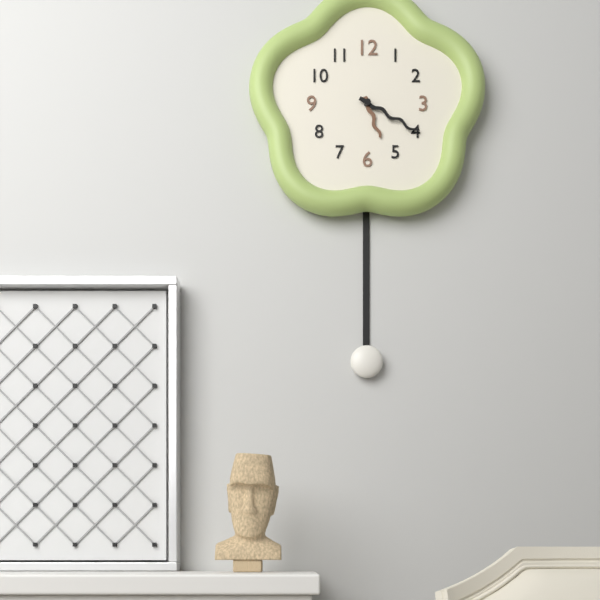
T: 5 h 20 min
